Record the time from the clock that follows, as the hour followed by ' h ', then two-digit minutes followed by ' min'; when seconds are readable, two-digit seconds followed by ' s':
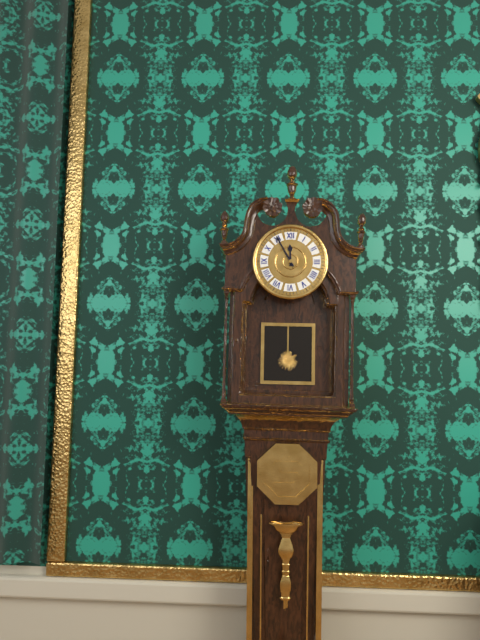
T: 11 h 55 min
